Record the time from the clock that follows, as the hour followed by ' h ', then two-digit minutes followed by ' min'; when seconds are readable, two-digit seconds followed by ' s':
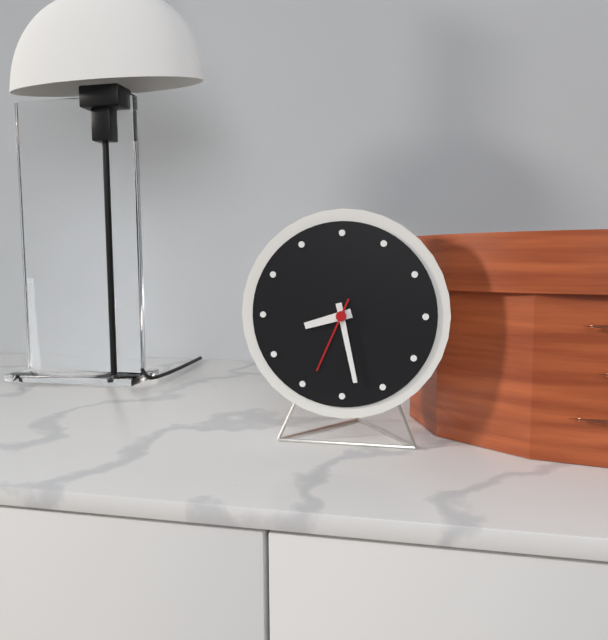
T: 8 h 28 min 34 s
